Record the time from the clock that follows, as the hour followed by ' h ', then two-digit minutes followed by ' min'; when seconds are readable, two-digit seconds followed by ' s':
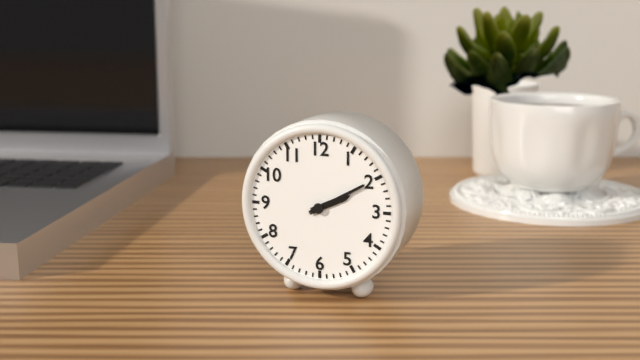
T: 2 h 10 min
